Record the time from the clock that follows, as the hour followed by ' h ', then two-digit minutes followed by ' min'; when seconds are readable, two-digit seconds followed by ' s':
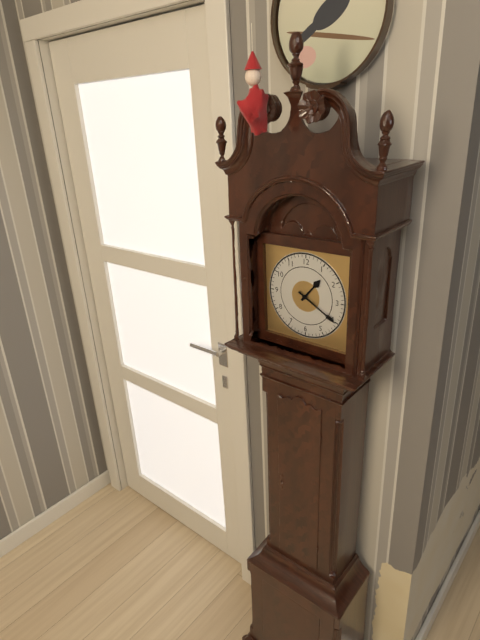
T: 1 h 20 min
